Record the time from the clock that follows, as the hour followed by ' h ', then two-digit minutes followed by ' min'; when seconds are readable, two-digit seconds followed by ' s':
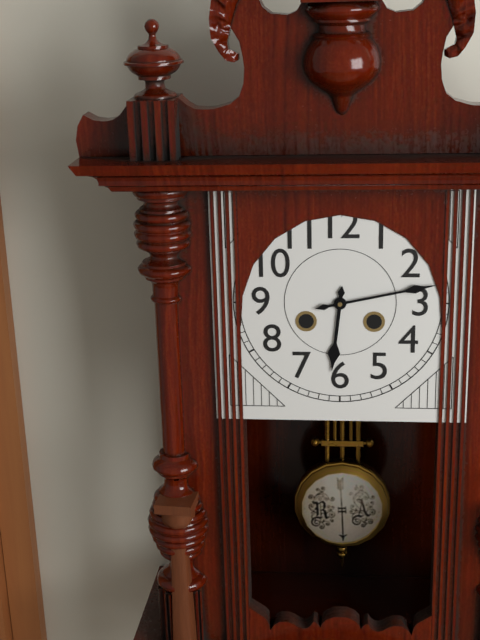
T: 6 h 13 min
